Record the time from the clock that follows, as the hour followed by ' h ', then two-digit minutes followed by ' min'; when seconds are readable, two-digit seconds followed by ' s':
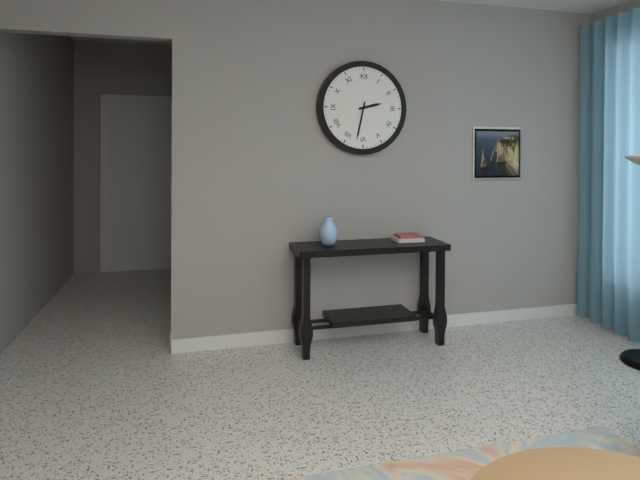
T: 2 h 32 min
